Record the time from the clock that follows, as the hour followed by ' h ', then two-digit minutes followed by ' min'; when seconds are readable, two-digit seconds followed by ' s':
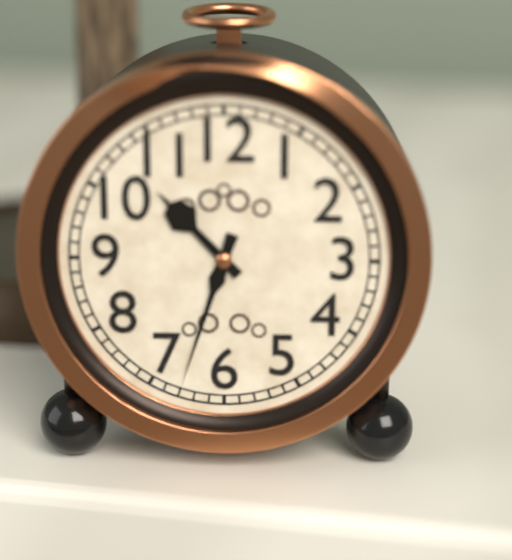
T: 10 h 33 min
